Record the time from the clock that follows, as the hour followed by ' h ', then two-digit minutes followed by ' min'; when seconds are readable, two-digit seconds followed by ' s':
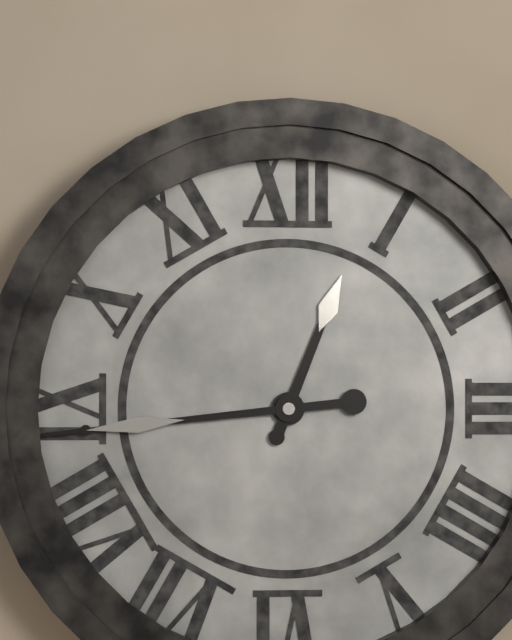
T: 12 h 44 min
